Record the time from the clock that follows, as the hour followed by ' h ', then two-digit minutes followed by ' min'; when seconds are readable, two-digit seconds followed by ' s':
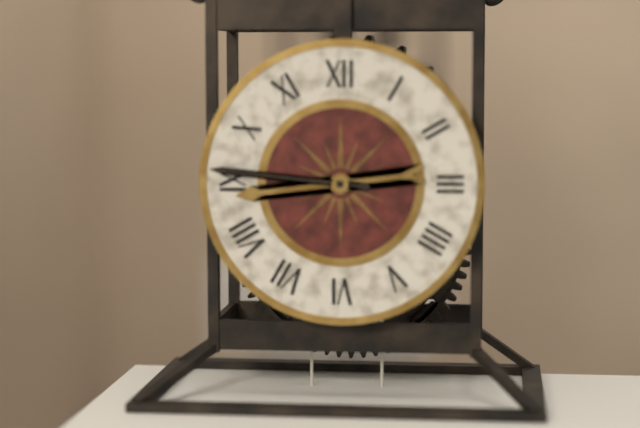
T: 8 h 46 min
